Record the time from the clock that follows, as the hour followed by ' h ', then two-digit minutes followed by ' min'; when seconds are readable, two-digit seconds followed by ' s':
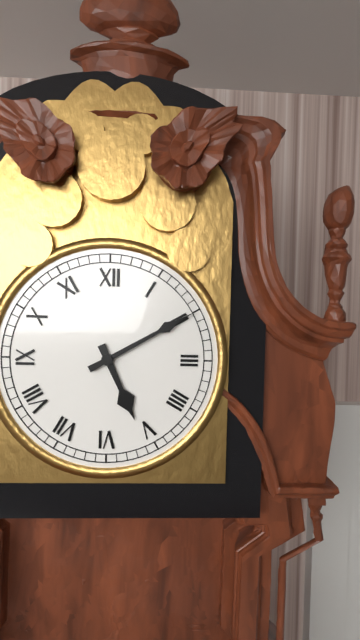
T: 5 h 10 min
